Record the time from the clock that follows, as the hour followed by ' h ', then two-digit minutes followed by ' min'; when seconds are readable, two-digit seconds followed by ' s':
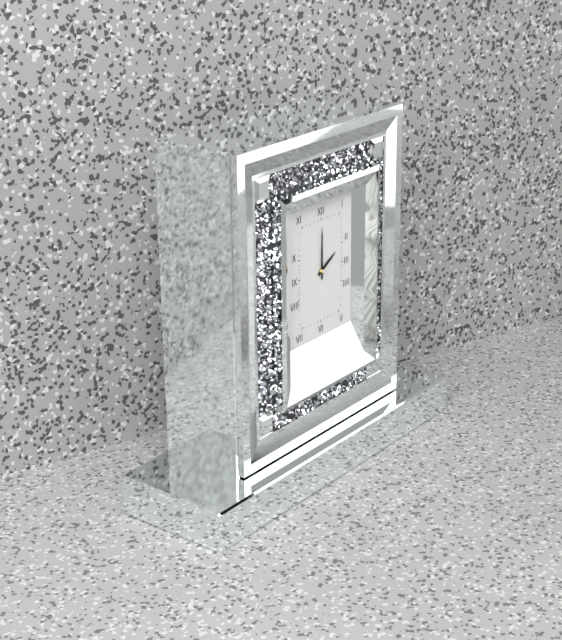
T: 2 h 00 min
